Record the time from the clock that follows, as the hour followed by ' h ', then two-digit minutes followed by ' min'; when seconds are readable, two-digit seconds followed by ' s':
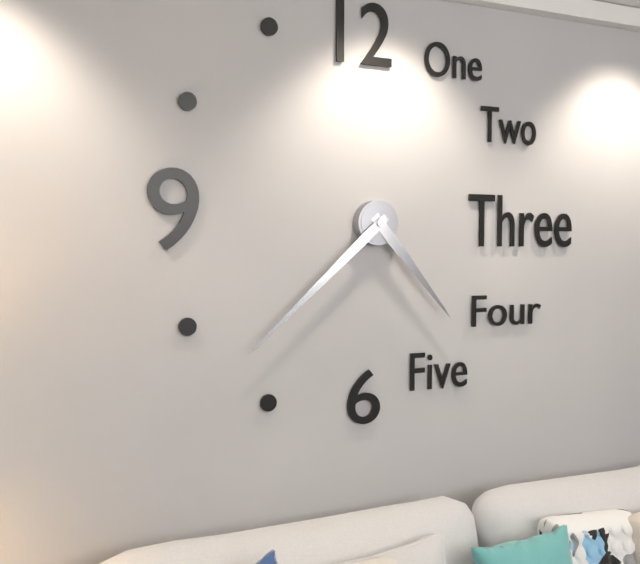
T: 4 h 38 min
